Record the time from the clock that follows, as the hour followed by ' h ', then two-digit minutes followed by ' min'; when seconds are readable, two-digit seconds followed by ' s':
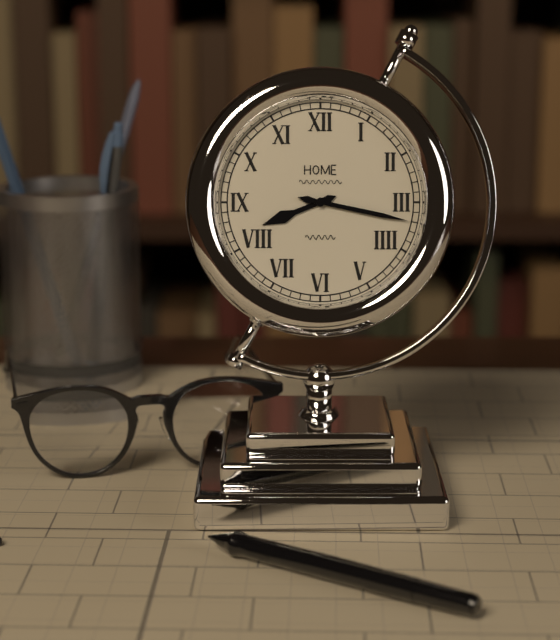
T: 8 h 17 min
